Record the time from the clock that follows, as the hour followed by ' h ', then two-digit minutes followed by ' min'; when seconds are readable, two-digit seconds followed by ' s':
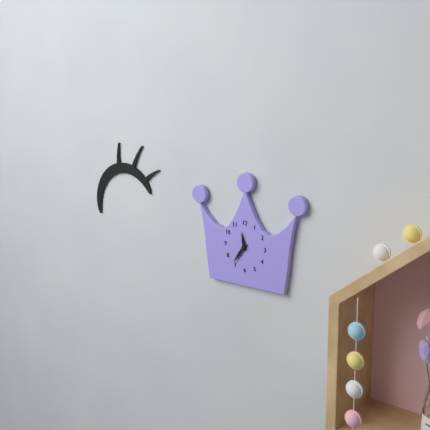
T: 11 h 36 min
